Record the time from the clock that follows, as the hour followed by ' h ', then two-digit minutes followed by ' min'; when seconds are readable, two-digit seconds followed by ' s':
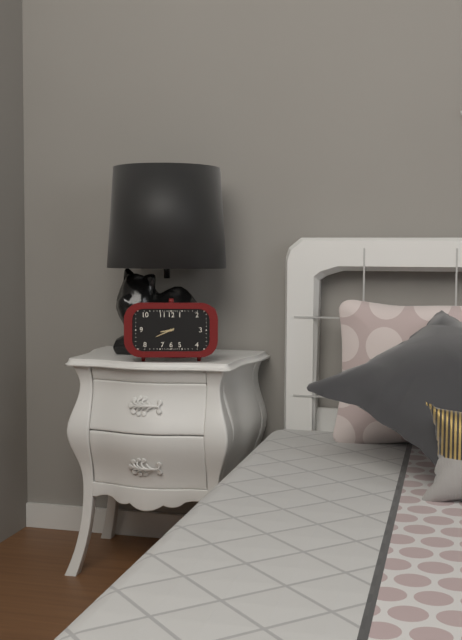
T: 8 h 41 min
